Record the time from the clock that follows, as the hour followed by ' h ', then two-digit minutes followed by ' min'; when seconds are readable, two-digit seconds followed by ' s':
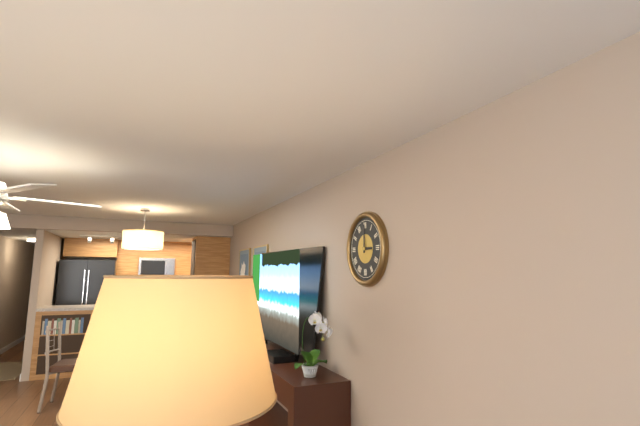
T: 3 h 00 min
